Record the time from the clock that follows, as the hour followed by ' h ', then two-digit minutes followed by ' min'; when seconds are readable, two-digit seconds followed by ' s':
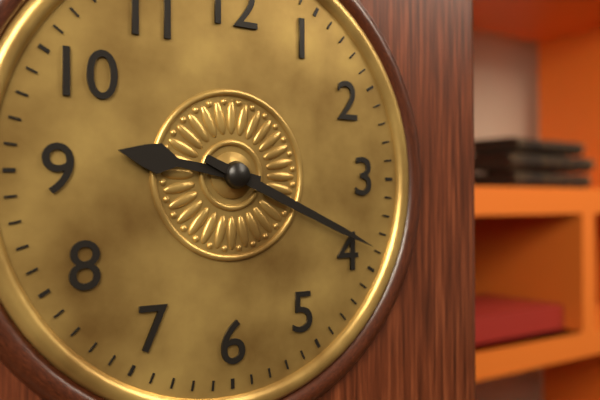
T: 9 h 19 min
